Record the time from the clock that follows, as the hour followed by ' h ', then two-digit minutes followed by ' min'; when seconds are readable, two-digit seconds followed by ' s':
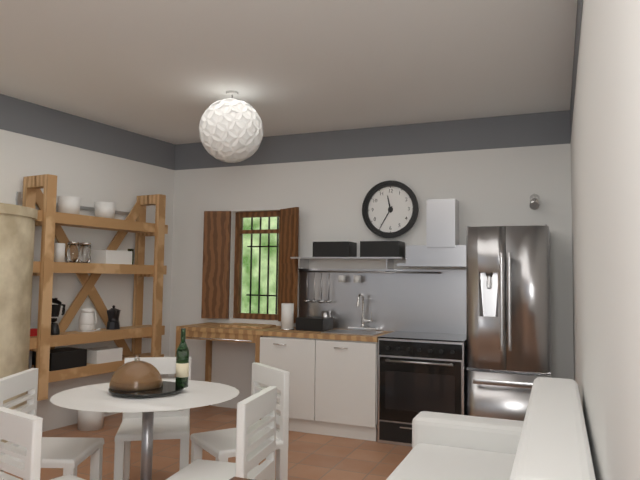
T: 11 h 35 min
